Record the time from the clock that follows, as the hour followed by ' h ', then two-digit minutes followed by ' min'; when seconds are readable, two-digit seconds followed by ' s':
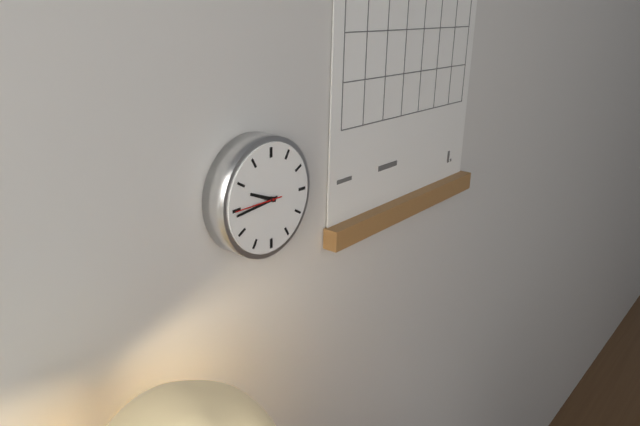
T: 9 h 44 min
